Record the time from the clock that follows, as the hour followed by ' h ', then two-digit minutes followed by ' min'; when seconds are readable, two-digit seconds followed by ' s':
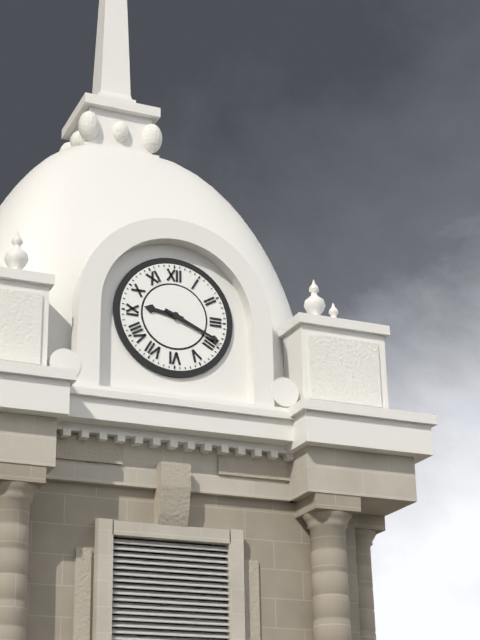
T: 9 h 19 min
